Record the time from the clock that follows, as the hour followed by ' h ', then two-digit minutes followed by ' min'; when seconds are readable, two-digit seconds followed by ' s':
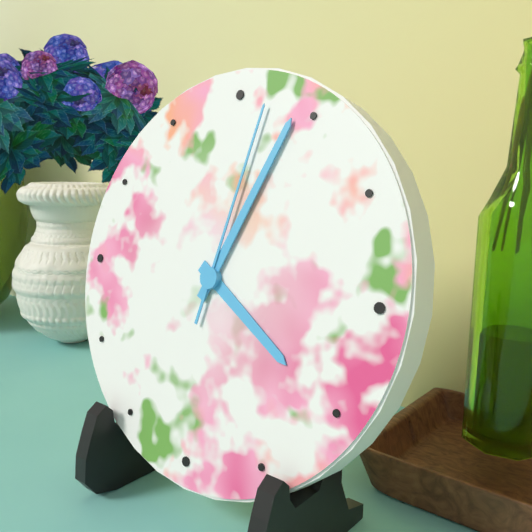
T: 4 h 04 min 02 s
